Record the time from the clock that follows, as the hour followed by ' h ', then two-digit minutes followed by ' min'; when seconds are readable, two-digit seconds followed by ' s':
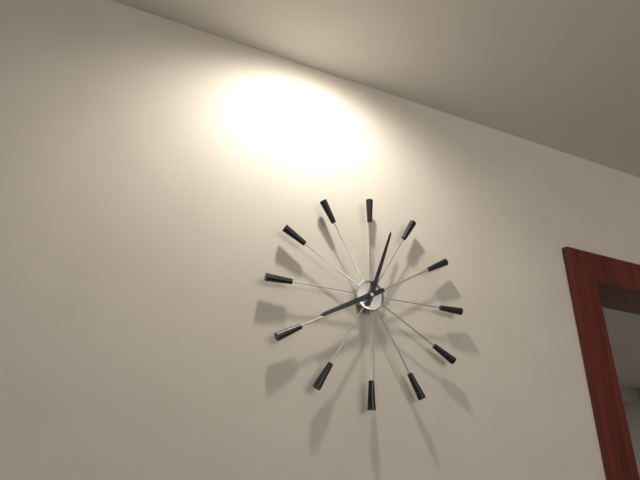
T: 8 h 03 min
